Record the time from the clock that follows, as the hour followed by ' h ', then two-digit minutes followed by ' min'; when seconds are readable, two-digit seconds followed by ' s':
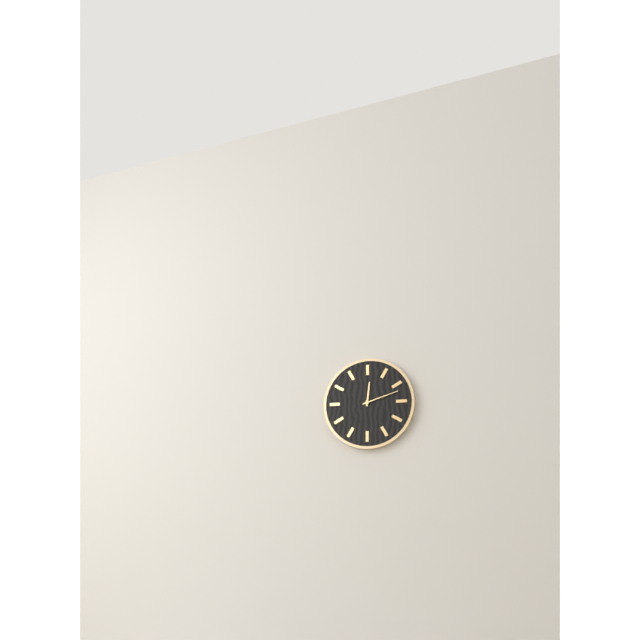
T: 12 h 12 min
